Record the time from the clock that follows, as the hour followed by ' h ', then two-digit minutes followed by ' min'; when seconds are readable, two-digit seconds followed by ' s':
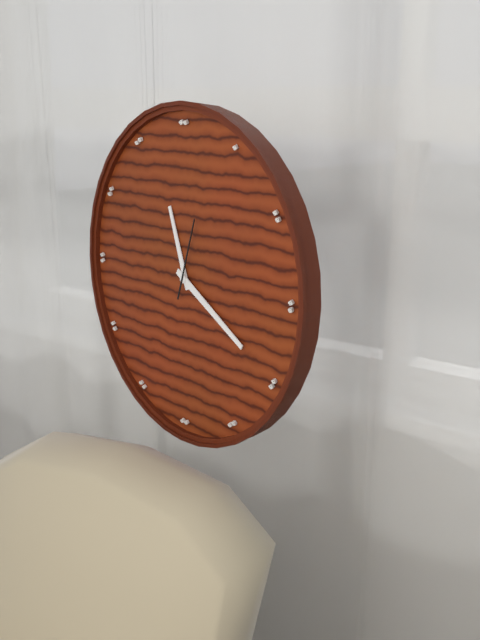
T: 11 h 20 min 03 s
